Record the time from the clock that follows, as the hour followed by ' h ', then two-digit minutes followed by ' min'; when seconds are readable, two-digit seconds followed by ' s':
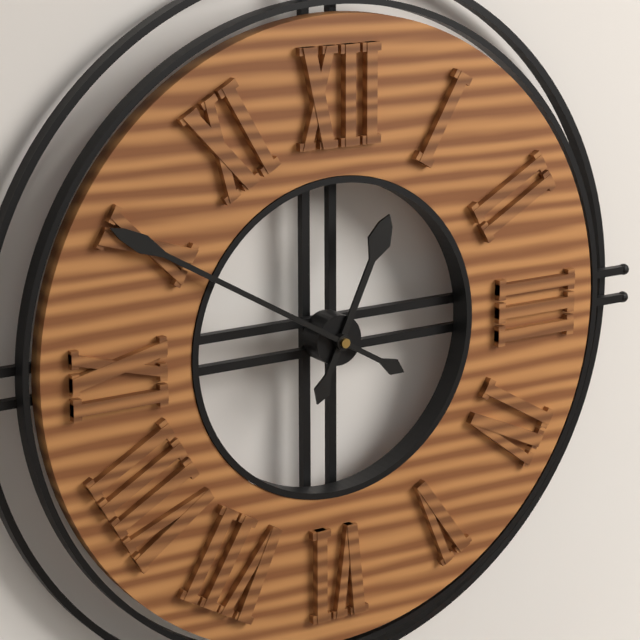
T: 12 h 50 min
